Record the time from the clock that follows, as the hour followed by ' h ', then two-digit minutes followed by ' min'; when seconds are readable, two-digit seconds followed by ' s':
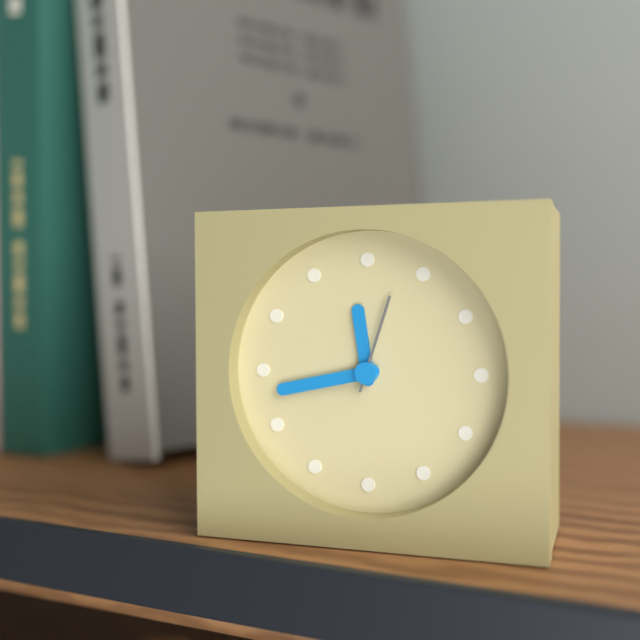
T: 11 h 43 min 03 s
